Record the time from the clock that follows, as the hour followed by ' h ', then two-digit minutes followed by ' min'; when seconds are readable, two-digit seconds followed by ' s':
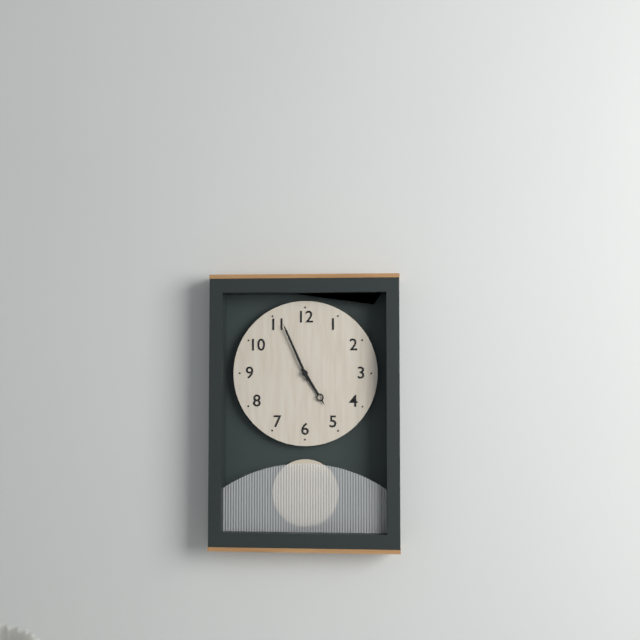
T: 4 h 56 min
